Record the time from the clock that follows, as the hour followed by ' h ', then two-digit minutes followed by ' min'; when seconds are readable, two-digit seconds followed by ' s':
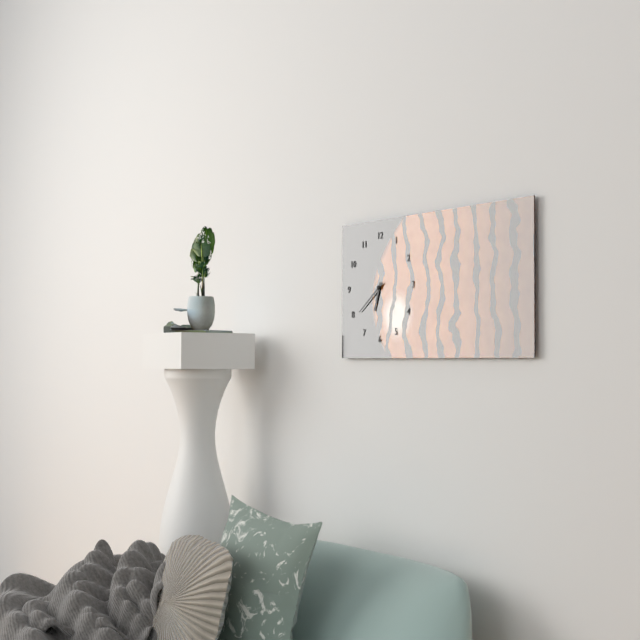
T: 6 h 39 min
